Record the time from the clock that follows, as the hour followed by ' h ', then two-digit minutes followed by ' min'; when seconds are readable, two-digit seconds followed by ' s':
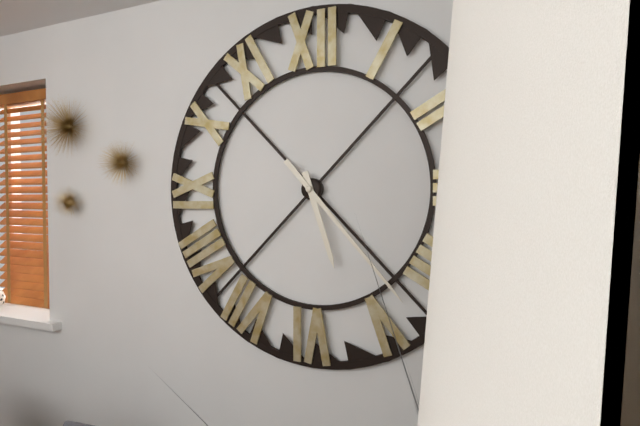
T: 5 h 23 min
